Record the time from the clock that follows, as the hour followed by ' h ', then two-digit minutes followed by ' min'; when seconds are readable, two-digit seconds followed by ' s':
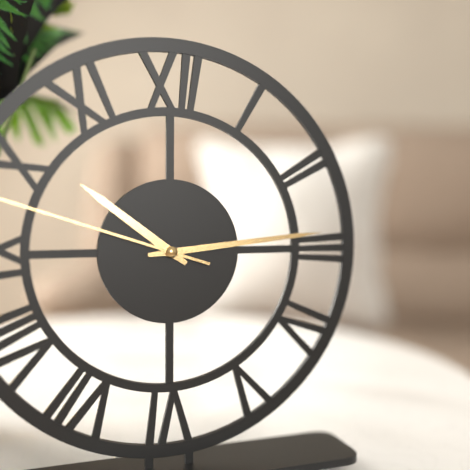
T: 10 h 14 min
